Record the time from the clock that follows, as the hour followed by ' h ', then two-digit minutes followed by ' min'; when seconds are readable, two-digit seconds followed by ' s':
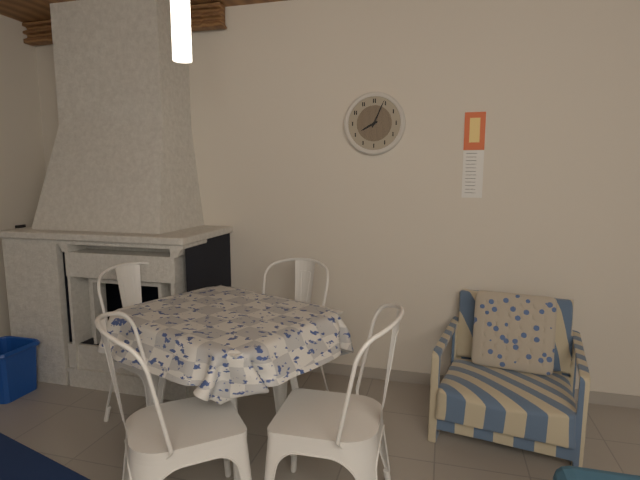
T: 8 h 04 min
